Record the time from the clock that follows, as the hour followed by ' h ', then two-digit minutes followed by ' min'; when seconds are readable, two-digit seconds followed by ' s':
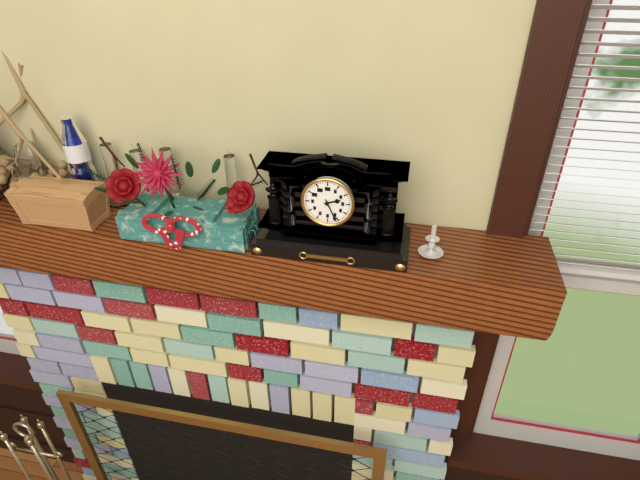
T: 2 h 26 min
